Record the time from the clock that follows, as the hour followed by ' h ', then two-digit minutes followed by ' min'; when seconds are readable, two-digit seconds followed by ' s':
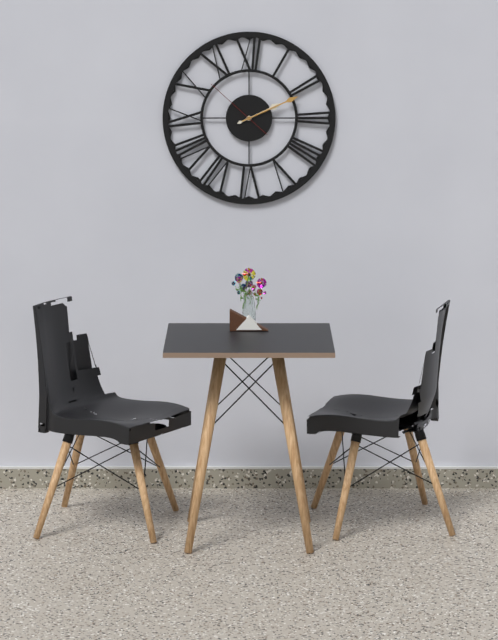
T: 2 h 11 min 52 s
